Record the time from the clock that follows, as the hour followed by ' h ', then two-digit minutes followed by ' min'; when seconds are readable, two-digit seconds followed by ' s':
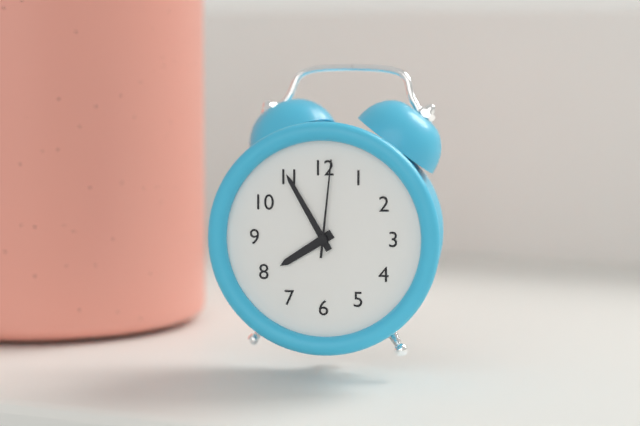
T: 7 h 55 min 01 s
